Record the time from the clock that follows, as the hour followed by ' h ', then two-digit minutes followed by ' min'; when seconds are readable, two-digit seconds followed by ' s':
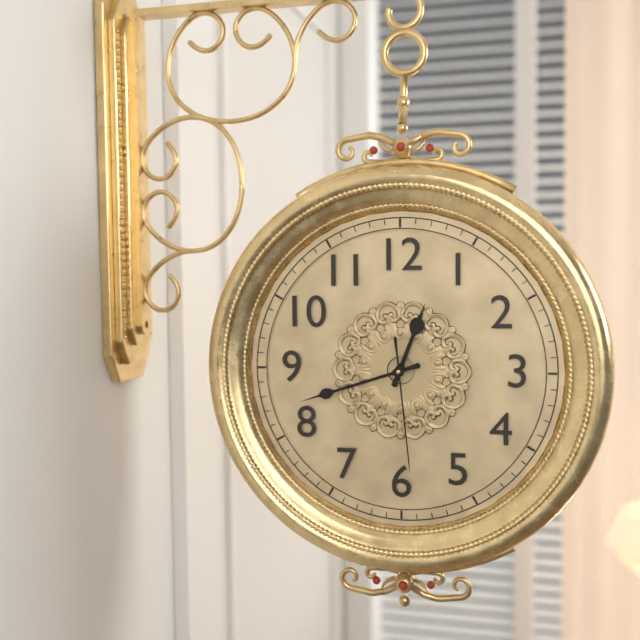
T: 12 h 42 min 29 s
